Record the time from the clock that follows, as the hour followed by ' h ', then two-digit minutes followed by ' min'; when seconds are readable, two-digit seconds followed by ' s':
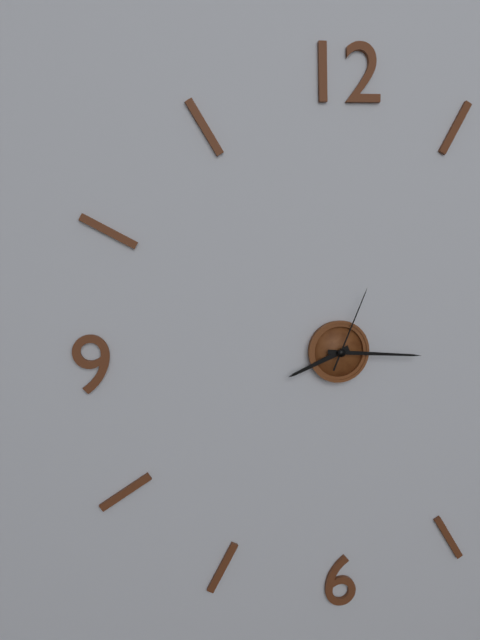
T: 8 h 16 min 04 s
